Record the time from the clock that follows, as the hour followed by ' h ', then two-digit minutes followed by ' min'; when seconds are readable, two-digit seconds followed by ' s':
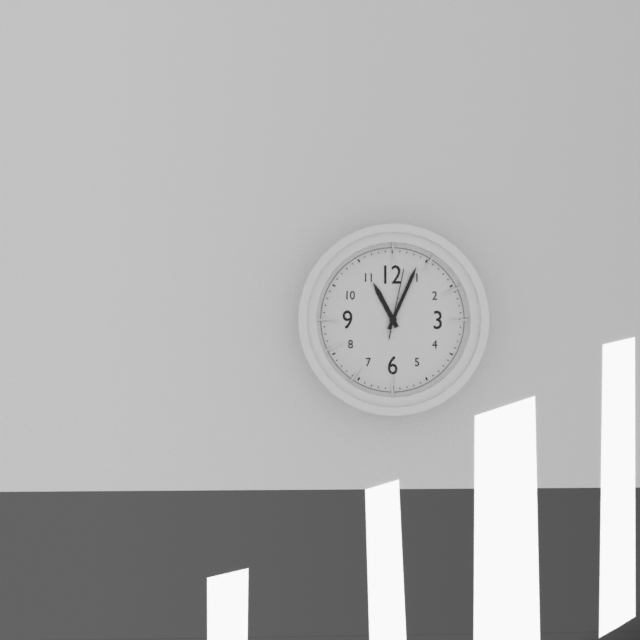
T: 11 h 04 min 02 s
